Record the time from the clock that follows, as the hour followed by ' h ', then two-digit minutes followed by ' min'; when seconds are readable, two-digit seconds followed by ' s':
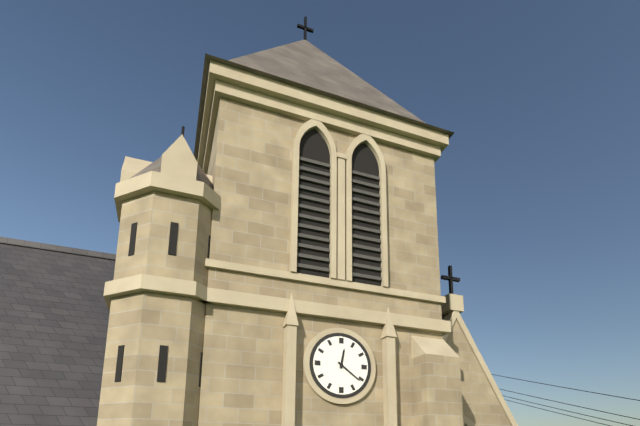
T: 12 h 21 min
